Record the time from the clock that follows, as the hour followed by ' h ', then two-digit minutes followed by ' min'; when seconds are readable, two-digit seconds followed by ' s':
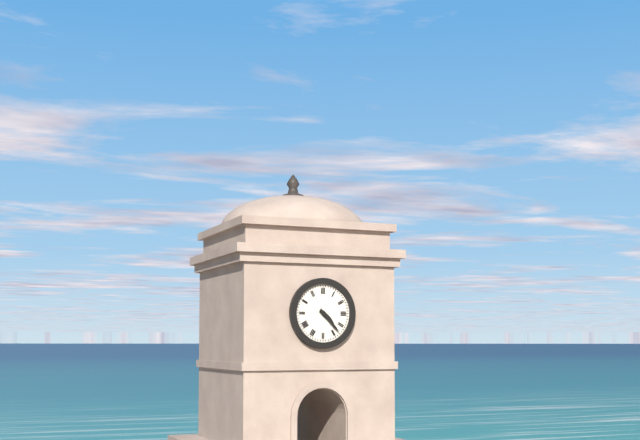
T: 4 h 23 min
